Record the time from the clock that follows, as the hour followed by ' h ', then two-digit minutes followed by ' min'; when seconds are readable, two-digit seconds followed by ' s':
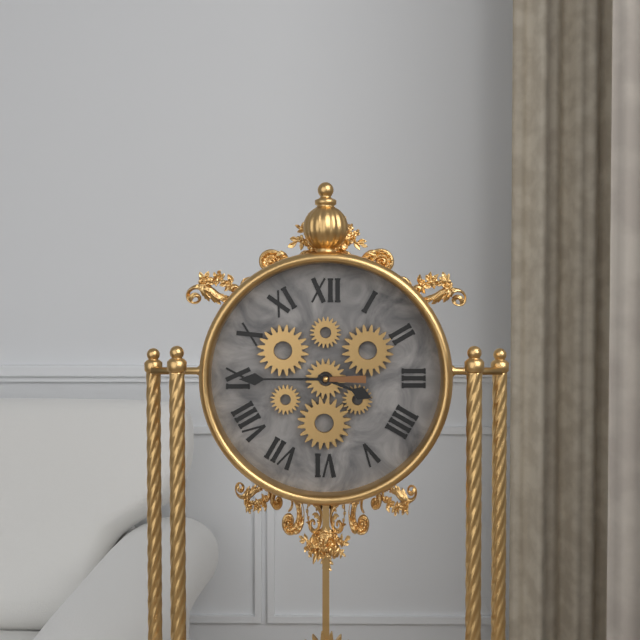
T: 3 h 45 min
